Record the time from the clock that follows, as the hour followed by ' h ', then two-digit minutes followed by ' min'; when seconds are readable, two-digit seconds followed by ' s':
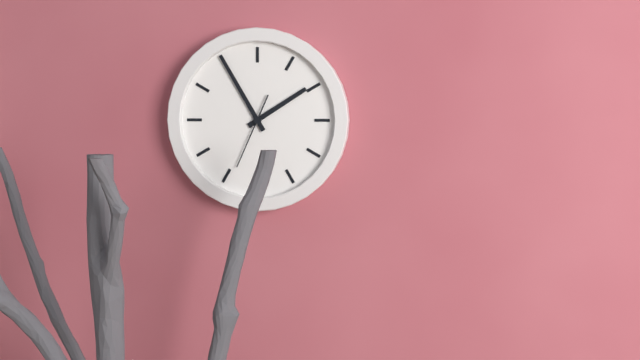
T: 1 h 55 min 34 s
